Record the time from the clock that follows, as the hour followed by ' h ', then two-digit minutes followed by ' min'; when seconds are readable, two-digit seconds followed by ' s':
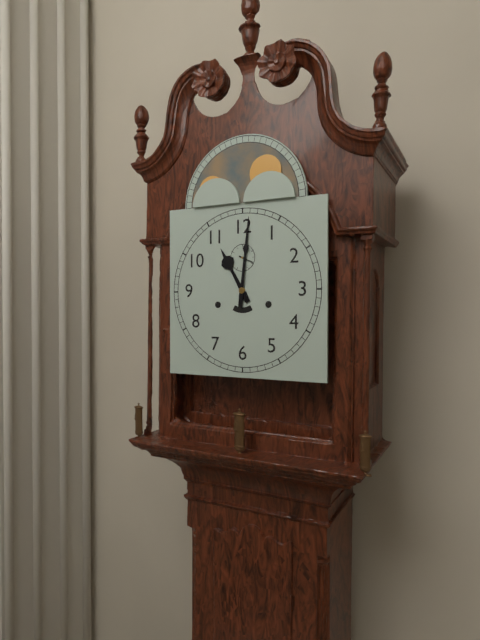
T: 11 h 01 min
